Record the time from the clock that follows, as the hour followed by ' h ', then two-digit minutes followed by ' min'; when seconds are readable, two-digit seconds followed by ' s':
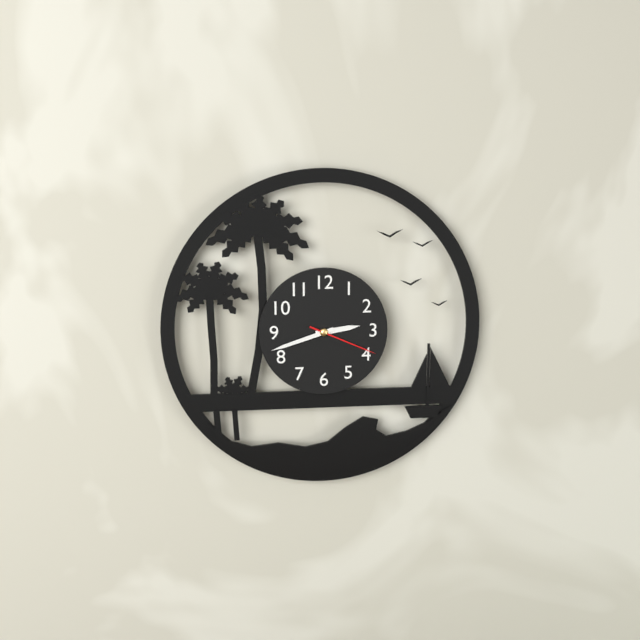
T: 2 h 42 min 19 s
